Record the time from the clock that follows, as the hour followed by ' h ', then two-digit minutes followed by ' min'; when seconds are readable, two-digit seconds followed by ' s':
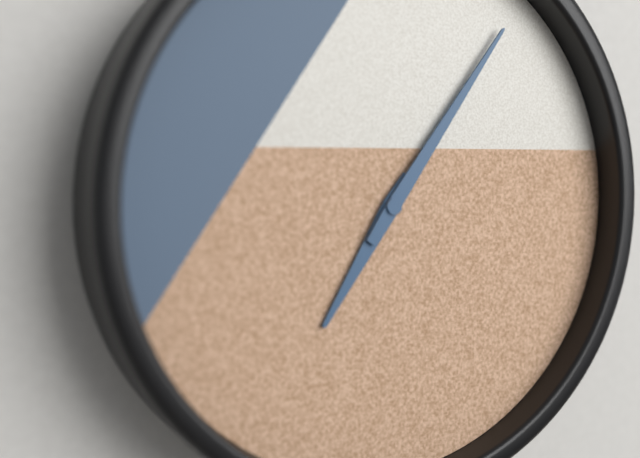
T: 7 h 06 min
